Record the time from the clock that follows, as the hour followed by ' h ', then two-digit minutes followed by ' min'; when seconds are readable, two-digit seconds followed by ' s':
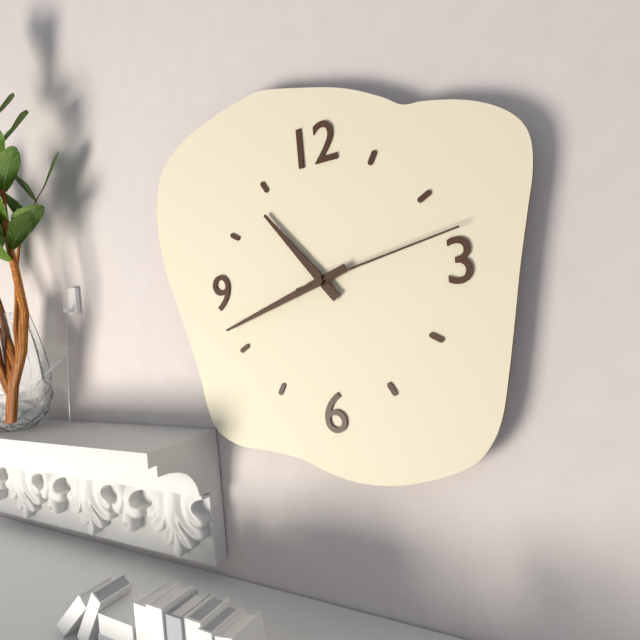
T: 10 h 42 min 13 s
